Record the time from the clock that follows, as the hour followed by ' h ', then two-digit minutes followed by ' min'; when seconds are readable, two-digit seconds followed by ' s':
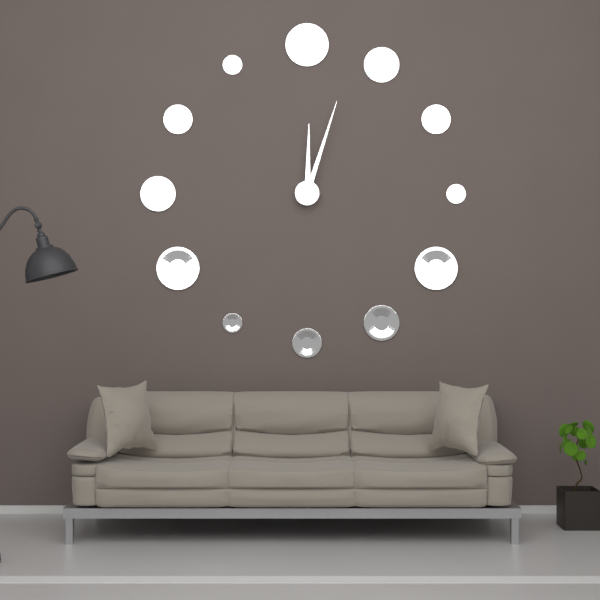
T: 12 h 03 min
